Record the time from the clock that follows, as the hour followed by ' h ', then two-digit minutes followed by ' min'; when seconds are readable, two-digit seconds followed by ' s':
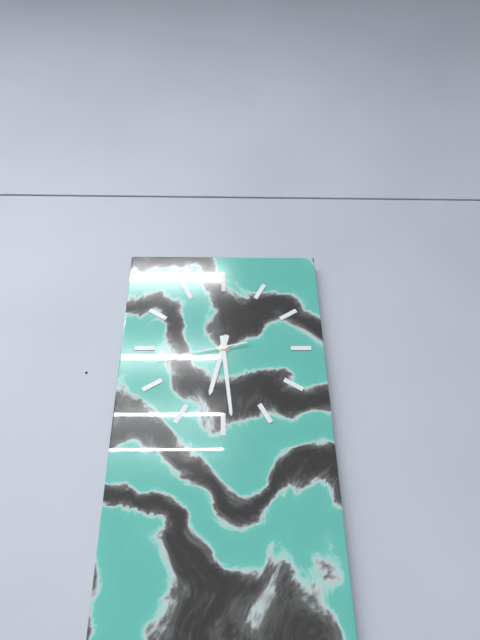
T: 6 h 29 min 43 s
